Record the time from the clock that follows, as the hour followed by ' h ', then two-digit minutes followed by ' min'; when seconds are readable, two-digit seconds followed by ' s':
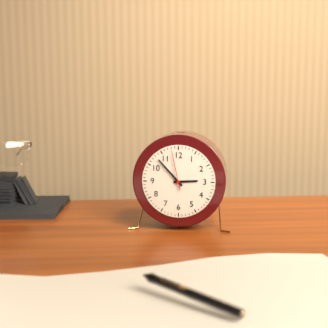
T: 2 h 53 min
